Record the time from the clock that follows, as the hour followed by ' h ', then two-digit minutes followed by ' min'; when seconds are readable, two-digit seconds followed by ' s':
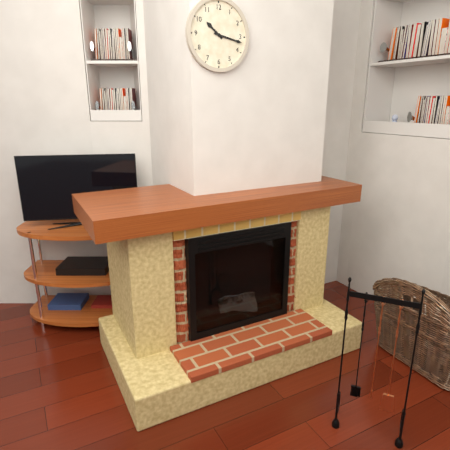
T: 10 h 17 min
